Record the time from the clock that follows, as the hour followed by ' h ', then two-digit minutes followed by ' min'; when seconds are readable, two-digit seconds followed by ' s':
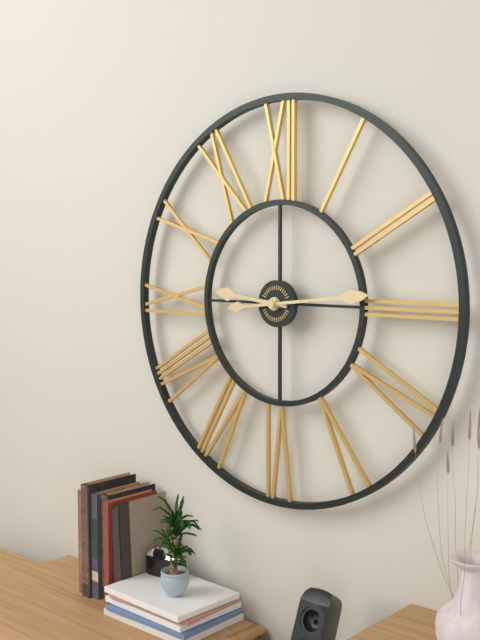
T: 9 h 14 min
